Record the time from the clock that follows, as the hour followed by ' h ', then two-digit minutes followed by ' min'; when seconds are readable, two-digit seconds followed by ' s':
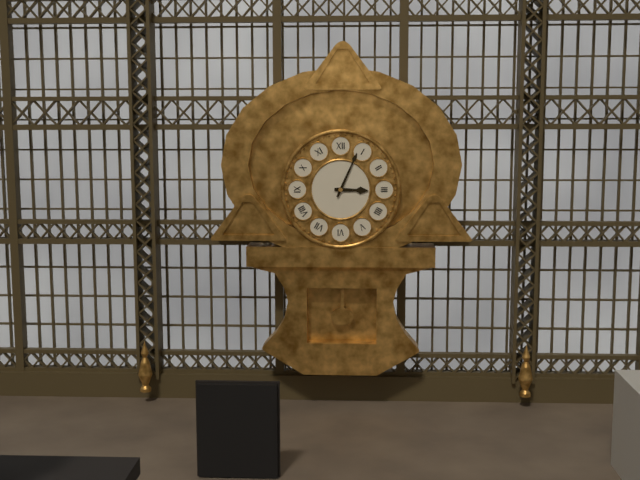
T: 3 h 04 min
